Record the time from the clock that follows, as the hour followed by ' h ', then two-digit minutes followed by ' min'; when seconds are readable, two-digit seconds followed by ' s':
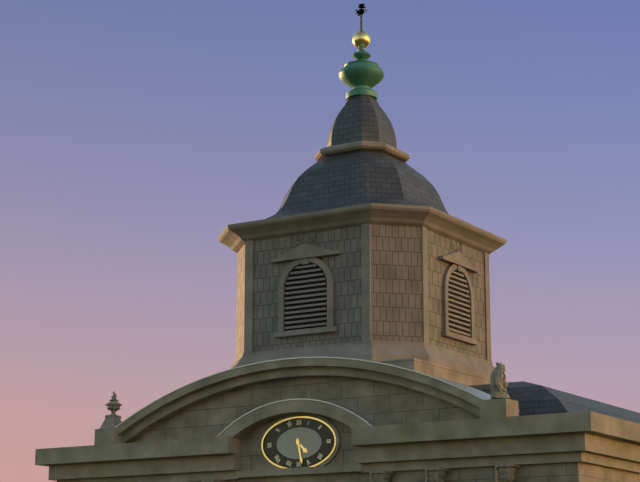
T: 4 h 28 min
